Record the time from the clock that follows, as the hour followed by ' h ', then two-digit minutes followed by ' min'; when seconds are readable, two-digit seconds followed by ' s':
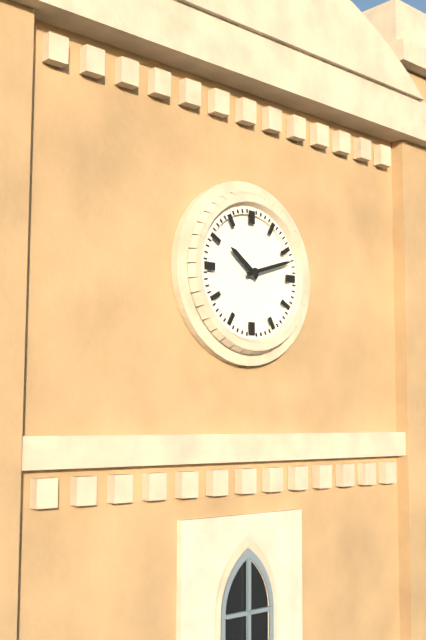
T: 10 h 12 min
